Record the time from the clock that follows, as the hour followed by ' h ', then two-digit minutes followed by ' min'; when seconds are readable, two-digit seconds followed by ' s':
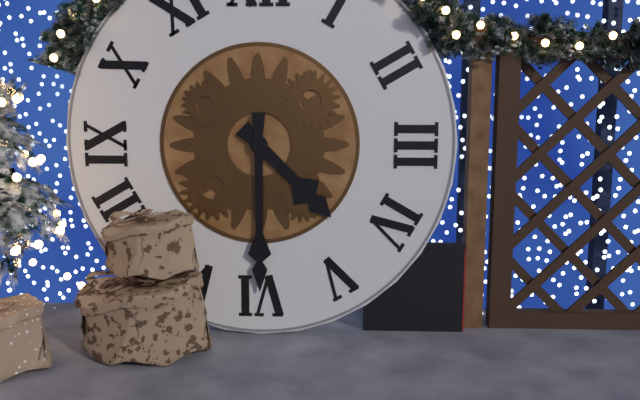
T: 4 h 30 min
